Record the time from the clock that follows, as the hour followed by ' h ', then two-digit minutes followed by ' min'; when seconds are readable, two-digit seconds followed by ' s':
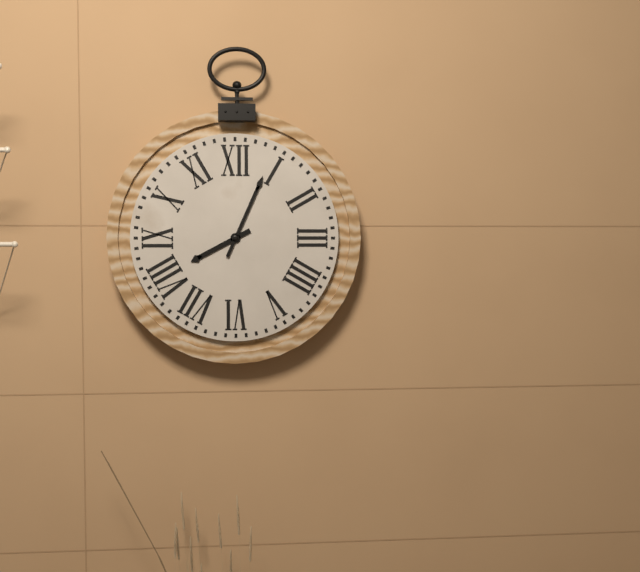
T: 8 h 04 min
